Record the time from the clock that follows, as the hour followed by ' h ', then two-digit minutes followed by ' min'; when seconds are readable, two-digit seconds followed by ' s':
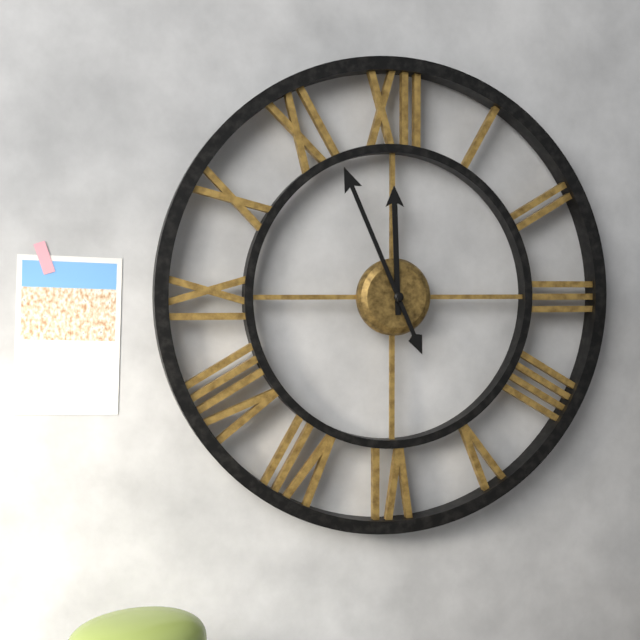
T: 11 h 56 min
